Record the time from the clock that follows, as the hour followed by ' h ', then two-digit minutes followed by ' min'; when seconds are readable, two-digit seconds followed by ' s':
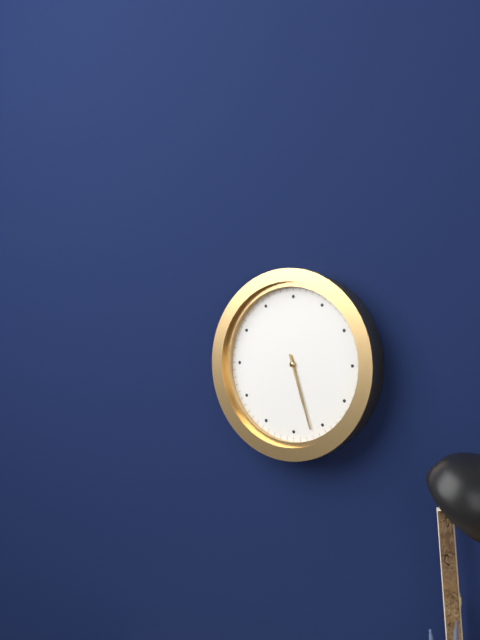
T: 5 h 27 min
